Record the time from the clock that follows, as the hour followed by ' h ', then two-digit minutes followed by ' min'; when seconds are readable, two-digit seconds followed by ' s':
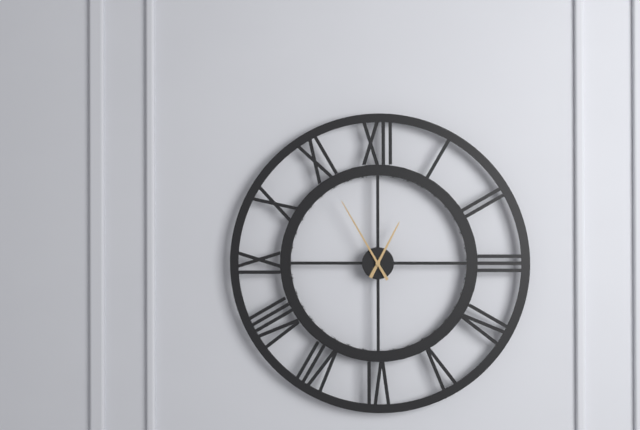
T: 12 h 55 min
